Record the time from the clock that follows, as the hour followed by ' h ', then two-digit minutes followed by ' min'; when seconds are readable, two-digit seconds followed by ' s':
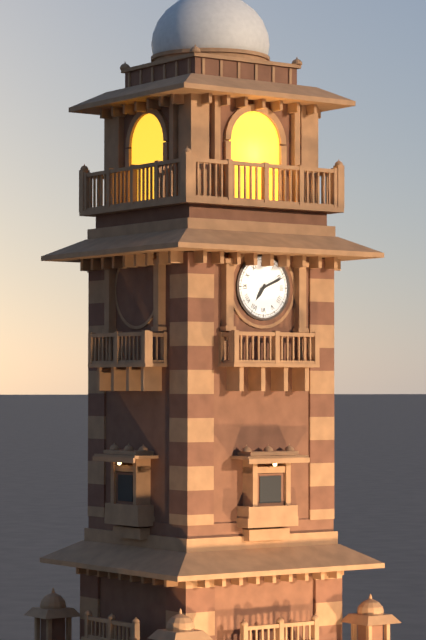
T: 7 h 11 min
